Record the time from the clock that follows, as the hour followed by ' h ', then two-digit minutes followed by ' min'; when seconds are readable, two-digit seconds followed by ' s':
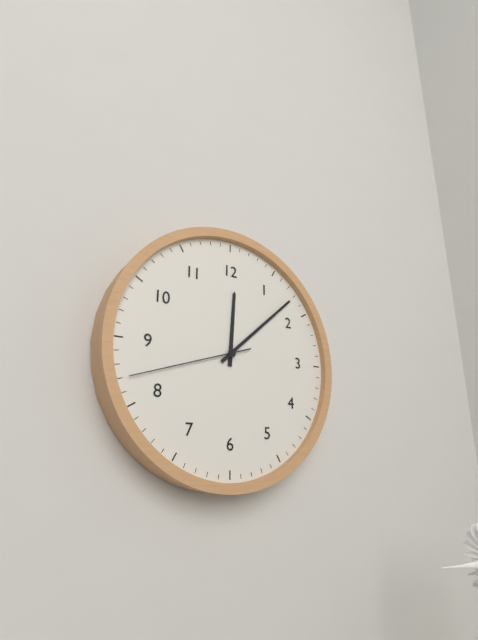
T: 12 h 08 min 42 s
